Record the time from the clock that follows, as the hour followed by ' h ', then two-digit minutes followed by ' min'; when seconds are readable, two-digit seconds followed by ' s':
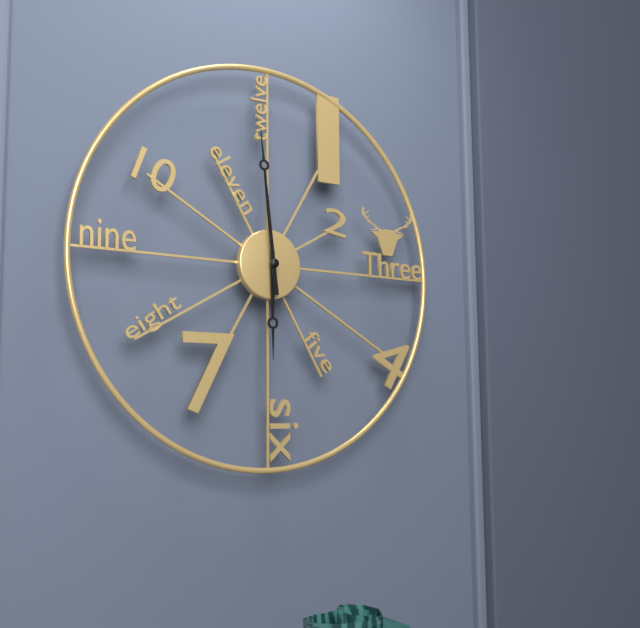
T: 5 h 59 min
